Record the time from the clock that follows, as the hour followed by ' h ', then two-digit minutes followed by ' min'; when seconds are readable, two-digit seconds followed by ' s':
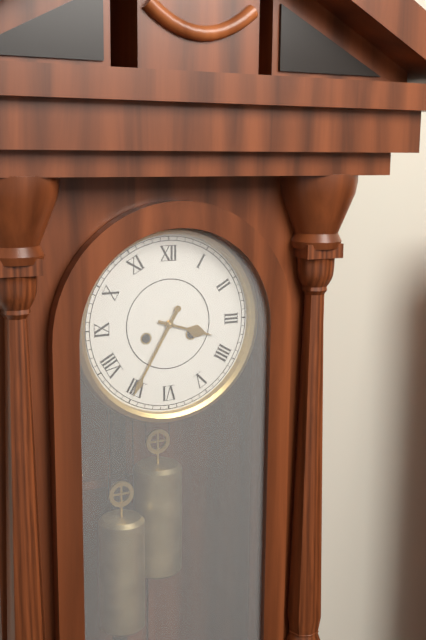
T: 3 h 35 min
